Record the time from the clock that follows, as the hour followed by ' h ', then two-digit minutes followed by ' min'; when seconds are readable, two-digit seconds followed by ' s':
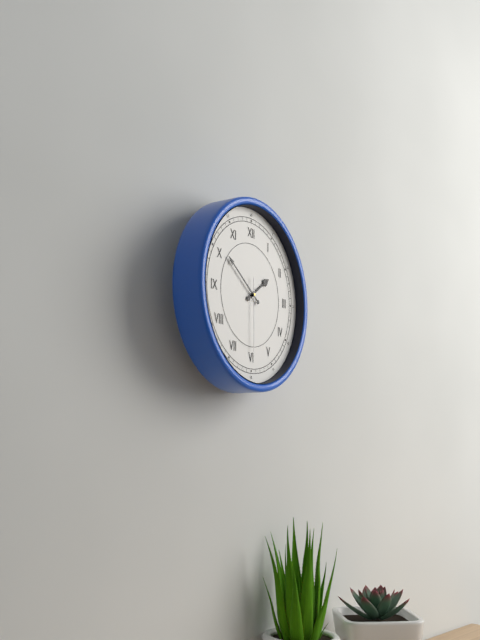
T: 1 h 51 min 30 s
